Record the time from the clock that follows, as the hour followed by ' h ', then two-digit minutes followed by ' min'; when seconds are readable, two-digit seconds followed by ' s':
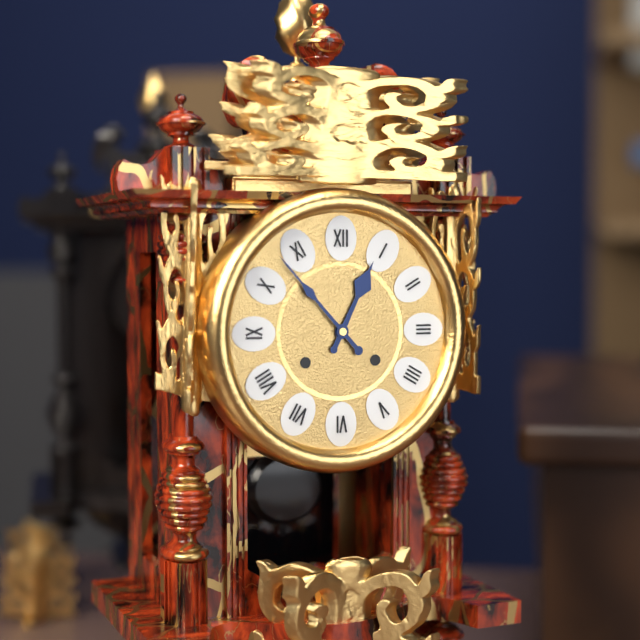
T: 12 h 53 min
